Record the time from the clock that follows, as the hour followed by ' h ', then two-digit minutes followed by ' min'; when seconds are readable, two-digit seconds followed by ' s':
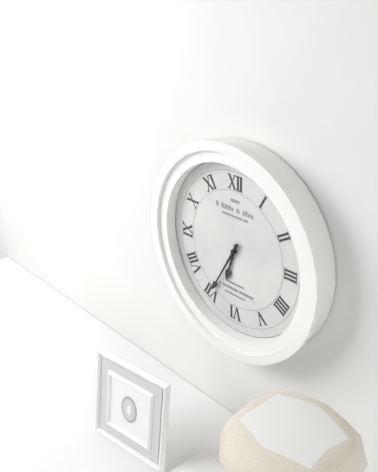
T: 6 h 35 min
